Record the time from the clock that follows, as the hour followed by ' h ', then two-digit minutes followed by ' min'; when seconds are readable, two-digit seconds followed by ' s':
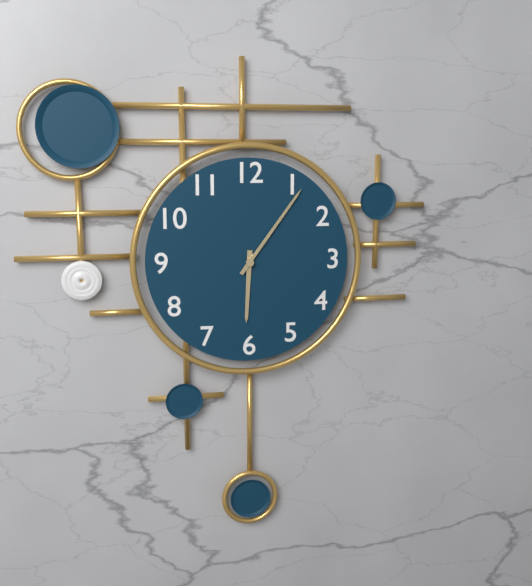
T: 6 h 06 min
